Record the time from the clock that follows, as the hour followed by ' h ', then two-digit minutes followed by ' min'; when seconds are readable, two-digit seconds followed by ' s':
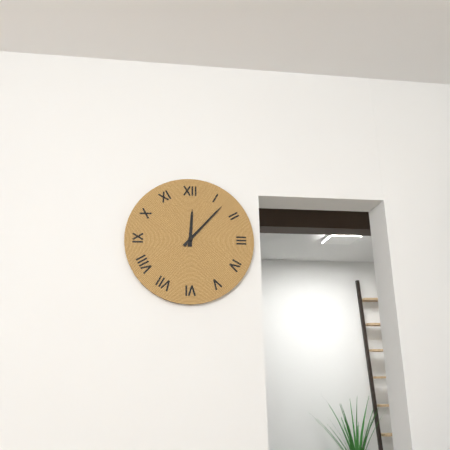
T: 12 h 07 min
